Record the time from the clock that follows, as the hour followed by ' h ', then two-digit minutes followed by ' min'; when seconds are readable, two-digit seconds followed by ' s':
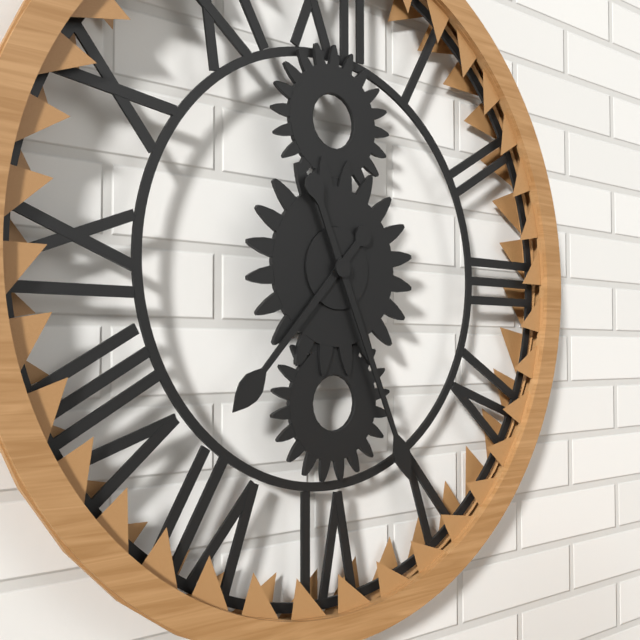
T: 7 h 26 min
